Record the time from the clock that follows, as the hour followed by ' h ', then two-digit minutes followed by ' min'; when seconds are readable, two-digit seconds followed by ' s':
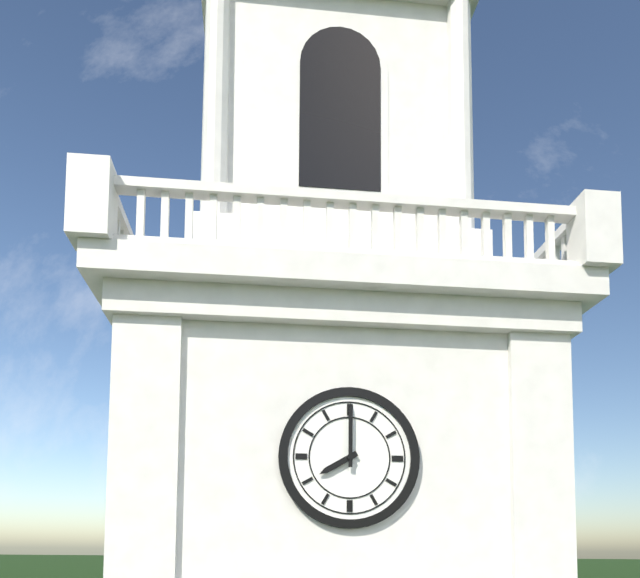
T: 8 h 00 min
